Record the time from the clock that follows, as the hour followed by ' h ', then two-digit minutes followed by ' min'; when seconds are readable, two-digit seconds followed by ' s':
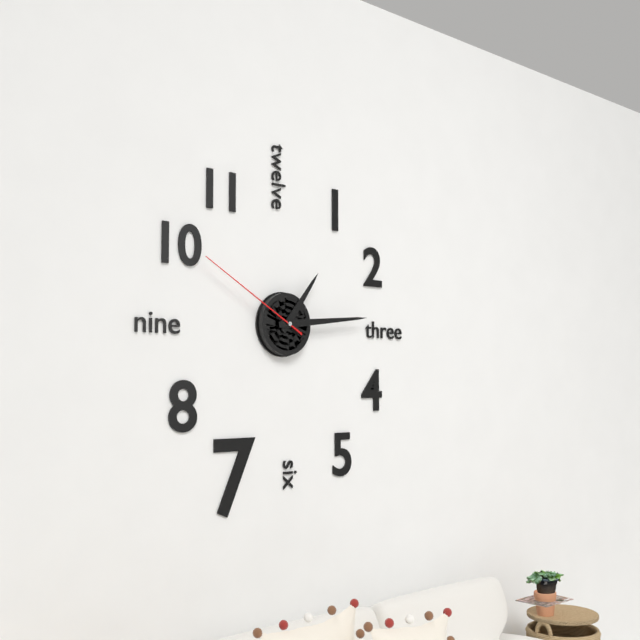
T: 1 h 14 min 50 s
